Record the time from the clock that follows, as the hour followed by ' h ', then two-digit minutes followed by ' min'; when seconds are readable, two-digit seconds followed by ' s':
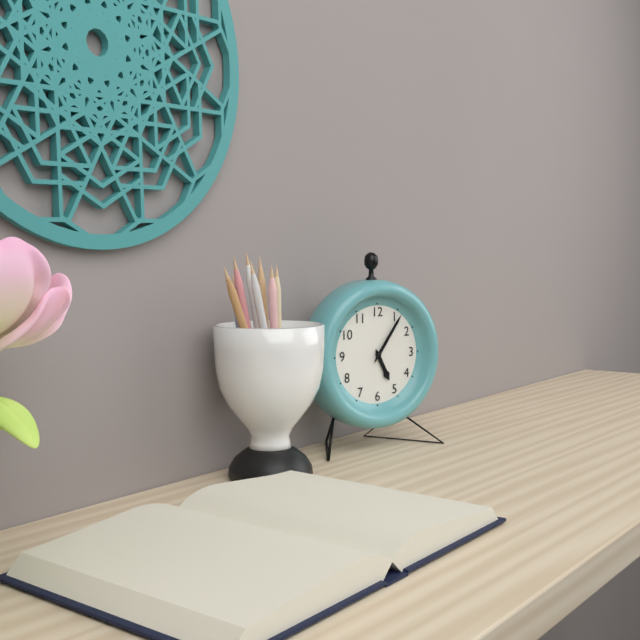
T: 5 h 06 min
